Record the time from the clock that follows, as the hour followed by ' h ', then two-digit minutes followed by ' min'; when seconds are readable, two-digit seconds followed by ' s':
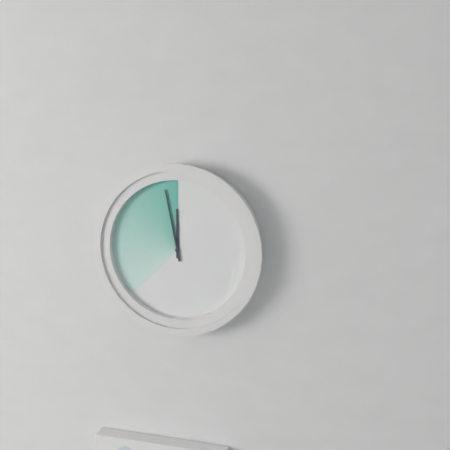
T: 11 h 58 min
